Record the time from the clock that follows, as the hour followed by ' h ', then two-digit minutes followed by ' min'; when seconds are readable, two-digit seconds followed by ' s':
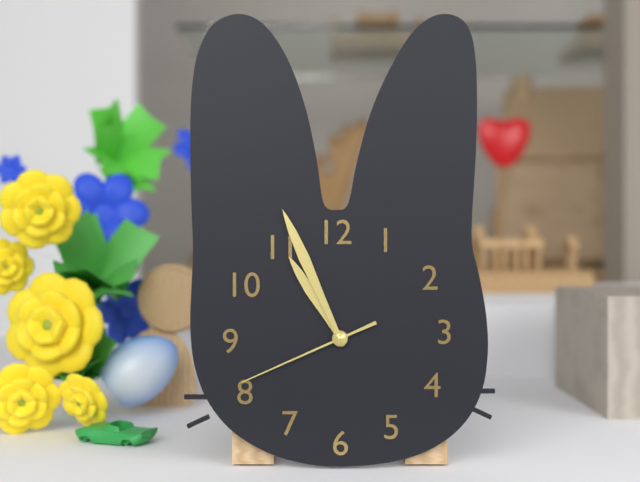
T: 10 h 56 min 41 s
